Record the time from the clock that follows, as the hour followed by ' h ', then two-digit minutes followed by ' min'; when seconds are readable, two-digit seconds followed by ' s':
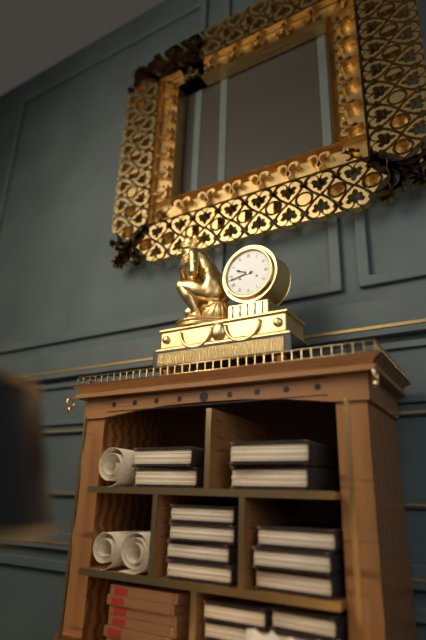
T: 9 h 43 min
